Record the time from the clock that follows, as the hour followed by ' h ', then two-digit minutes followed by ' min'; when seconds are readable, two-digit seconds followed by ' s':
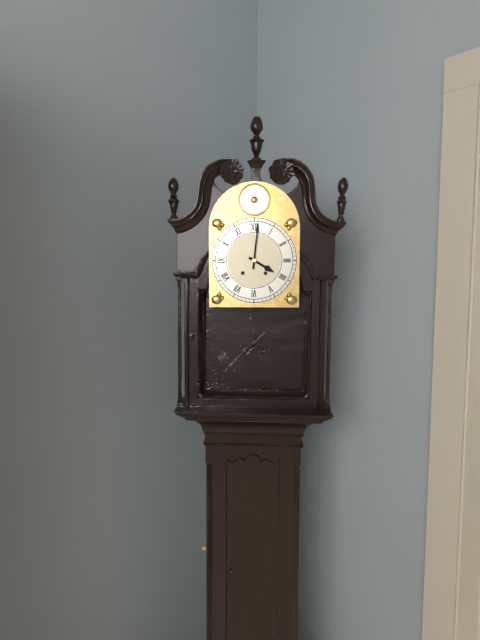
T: 4 h 01 min
